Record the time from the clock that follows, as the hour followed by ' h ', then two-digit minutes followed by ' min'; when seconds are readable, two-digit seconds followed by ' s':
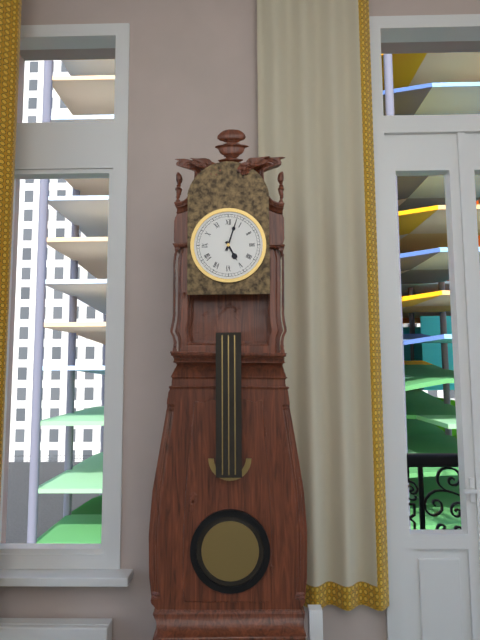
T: 5 h 03 min
